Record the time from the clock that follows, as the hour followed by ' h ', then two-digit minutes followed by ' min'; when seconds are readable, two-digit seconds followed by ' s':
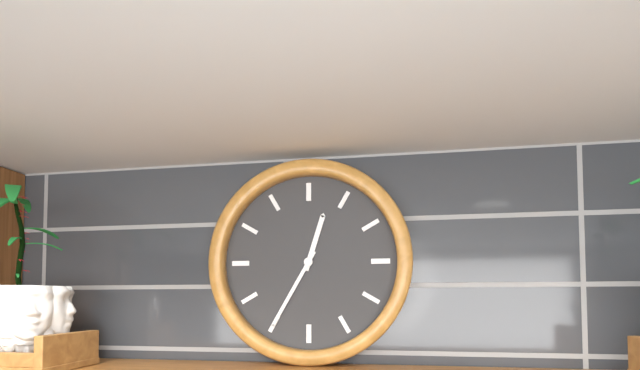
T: 12 h 35 min
